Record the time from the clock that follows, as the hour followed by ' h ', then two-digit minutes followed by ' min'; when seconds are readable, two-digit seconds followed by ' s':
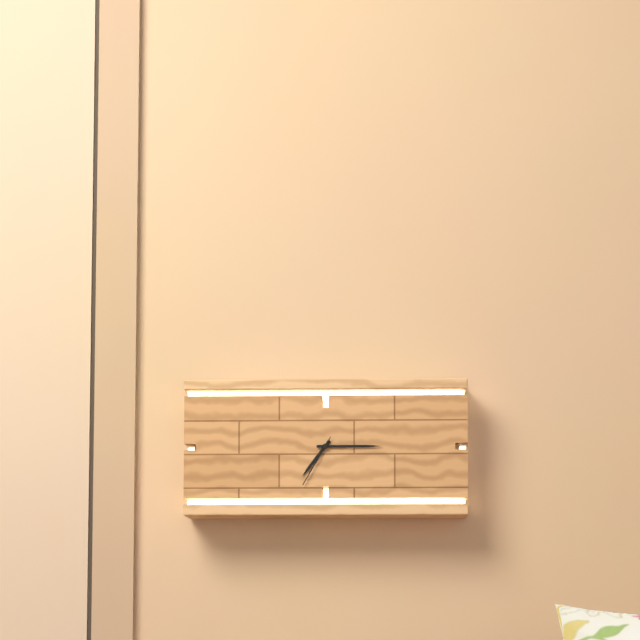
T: 7 h 15 min 35 s
